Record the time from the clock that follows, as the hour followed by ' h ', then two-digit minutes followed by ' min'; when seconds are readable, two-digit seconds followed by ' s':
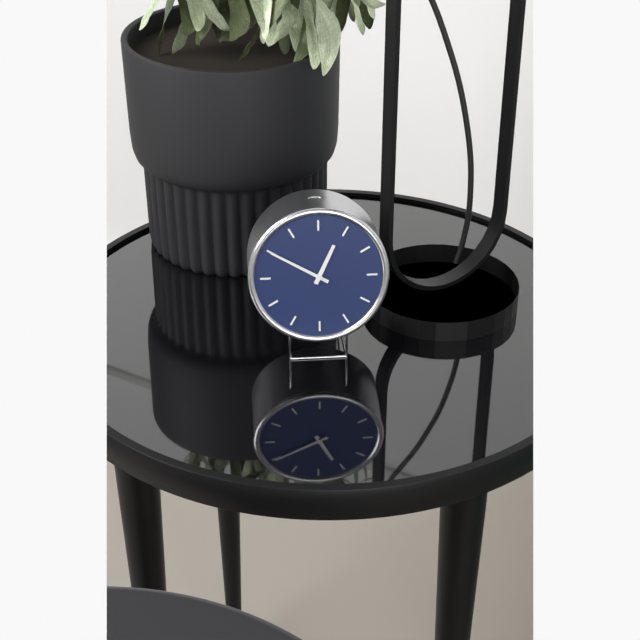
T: 12 h 50 min
